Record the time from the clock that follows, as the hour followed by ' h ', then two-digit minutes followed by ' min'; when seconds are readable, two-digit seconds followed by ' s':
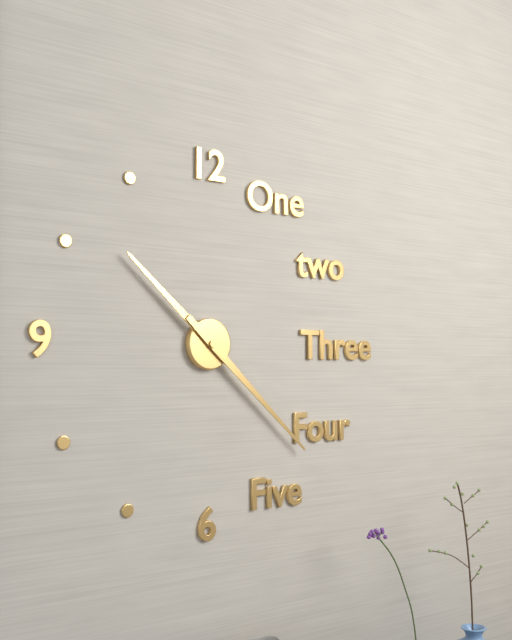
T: 10 h 22 min
